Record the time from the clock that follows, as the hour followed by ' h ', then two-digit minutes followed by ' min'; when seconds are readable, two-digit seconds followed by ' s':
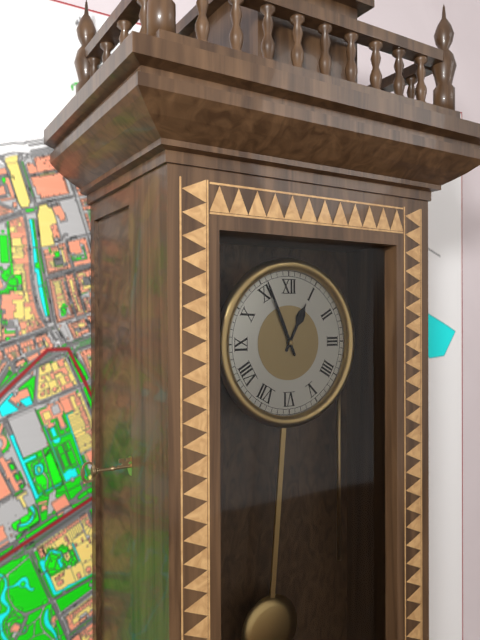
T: 12 h 56 min
